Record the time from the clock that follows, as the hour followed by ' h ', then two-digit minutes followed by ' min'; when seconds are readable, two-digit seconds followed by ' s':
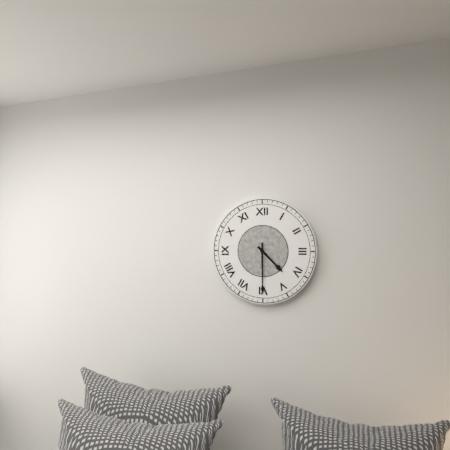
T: 4 h 30 min
